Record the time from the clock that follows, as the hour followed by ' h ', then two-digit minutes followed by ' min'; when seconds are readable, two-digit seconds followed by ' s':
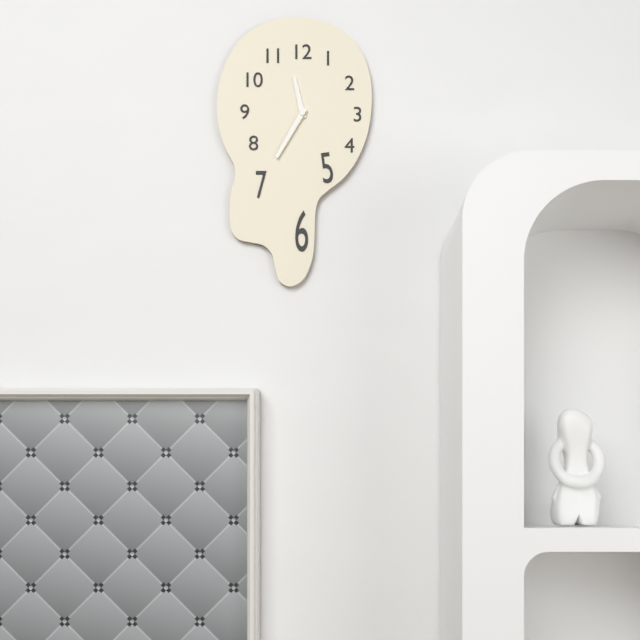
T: 11 h 35 min
